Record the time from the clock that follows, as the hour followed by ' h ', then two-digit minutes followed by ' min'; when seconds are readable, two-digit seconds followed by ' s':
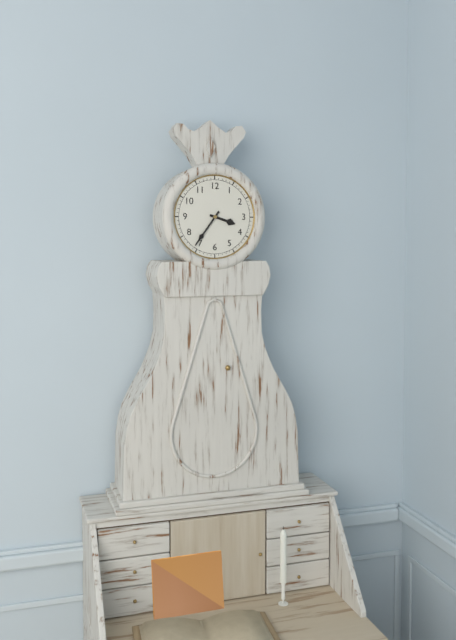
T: 3 h 36 min
